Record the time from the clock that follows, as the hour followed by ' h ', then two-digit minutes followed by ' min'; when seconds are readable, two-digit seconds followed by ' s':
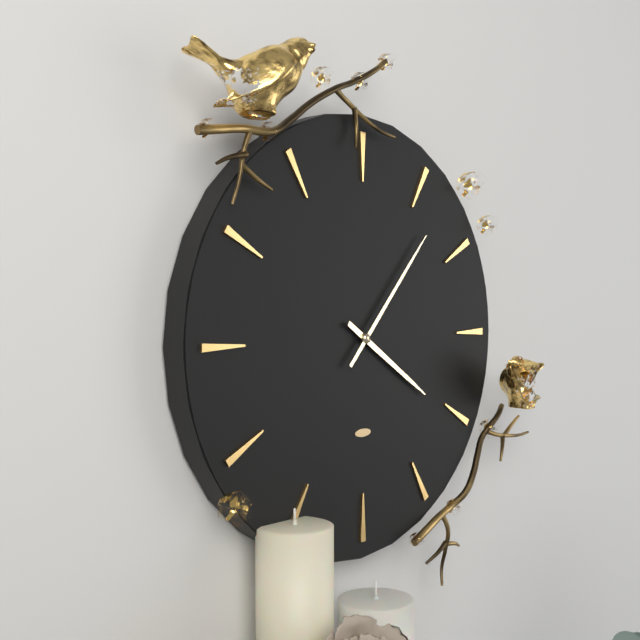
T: 4 h 07 min
